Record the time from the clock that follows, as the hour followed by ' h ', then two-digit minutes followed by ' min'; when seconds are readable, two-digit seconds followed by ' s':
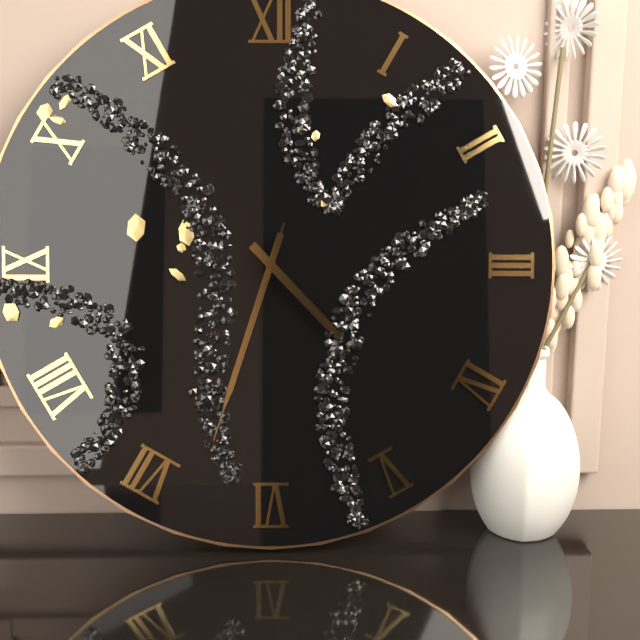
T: 4 h 33 min 33 s
